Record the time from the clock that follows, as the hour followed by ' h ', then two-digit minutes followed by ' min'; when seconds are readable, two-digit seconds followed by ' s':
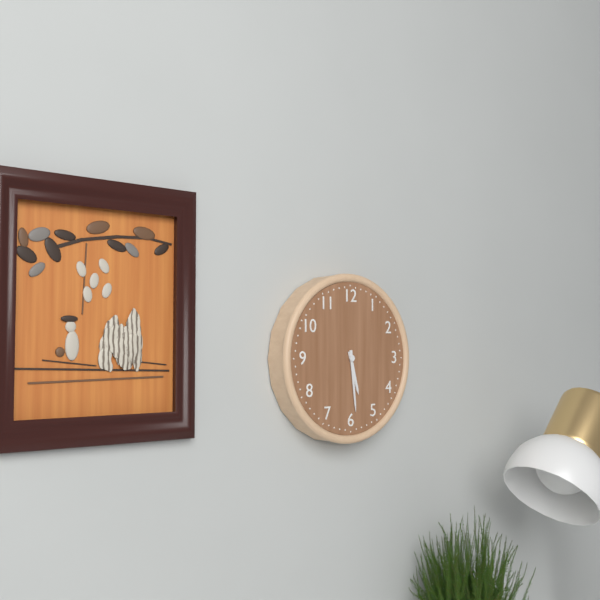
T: 5 h 29 min
